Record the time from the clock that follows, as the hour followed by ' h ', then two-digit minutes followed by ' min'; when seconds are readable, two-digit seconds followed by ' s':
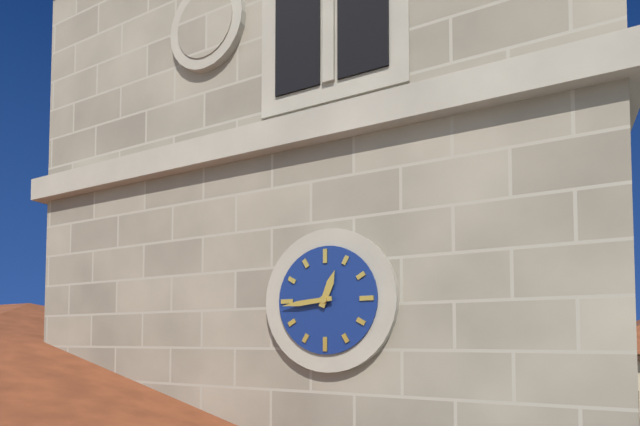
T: 12 h 44 min
